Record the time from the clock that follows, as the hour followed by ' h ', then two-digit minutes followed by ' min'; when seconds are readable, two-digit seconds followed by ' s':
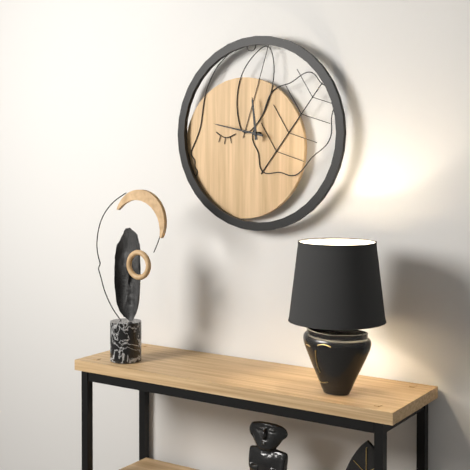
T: 11 h 47 min
